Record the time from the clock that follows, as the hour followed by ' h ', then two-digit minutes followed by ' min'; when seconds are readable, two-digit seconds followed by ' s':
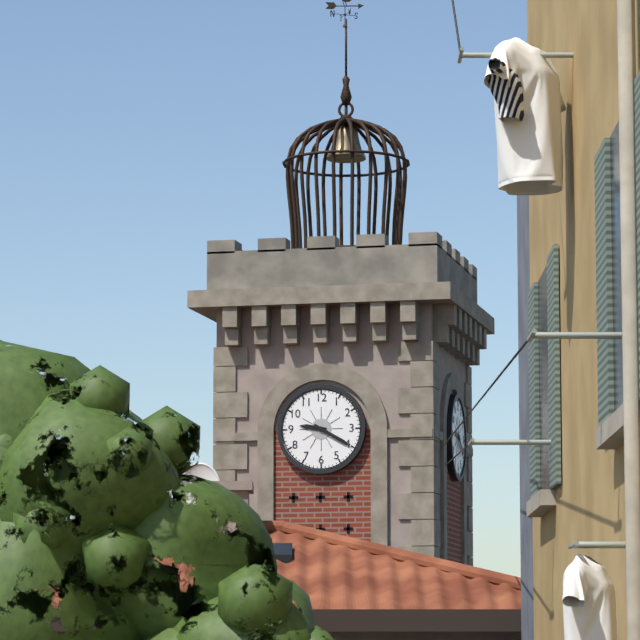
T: 9 h 20 min
